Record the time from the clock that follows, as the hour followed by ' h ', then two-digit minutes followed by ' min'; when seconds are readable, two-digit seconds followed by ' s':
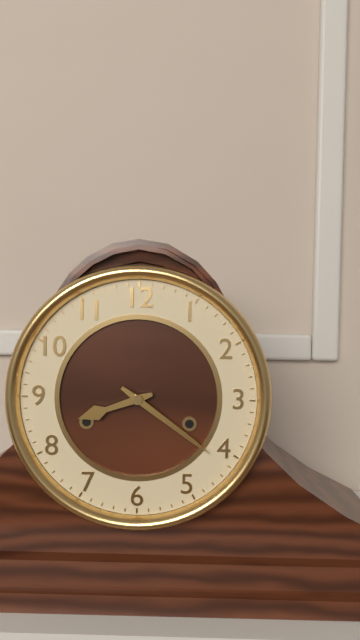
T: 8 h 21 min
